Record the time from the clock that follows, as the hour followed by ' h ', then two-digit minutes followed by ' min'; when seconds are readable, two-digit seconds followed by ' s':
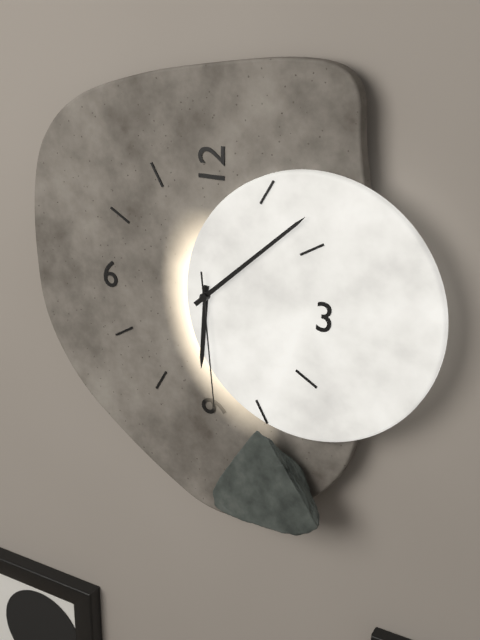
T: 6 h 08 min 29 s
